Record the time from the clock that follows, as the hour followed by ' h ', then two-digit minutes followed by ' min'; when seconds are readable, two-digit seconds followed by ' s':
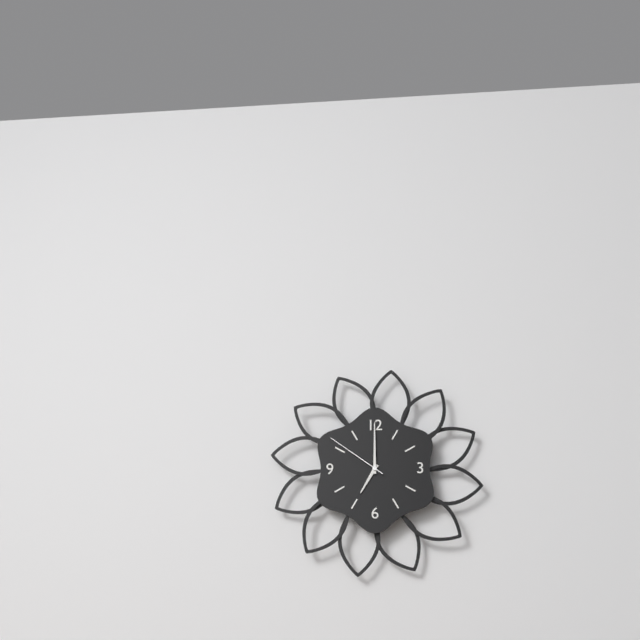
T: 7 h 00 min 51 s
